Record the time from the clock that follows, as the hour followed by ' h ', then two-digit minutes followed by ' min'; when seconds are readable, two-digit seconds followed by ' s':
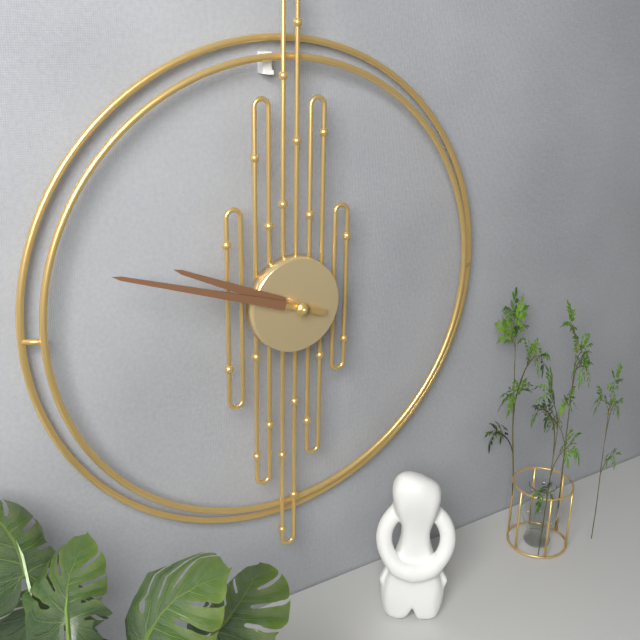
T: 9 h 48 min
